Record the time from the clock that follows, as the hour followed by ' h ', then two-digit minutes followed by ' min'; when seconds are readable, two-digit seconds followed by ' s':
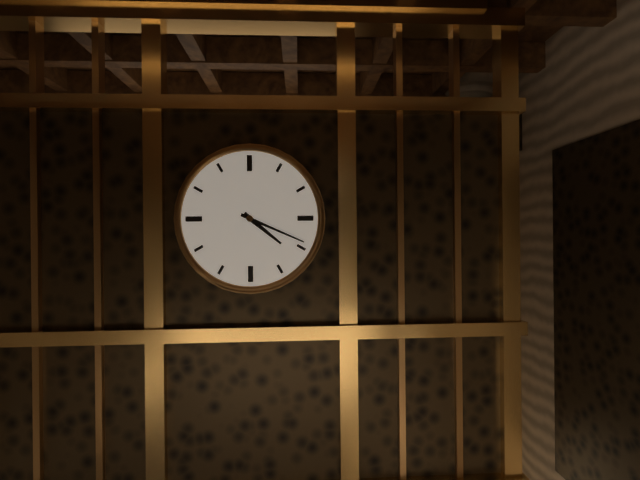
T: 4 h 19 min
